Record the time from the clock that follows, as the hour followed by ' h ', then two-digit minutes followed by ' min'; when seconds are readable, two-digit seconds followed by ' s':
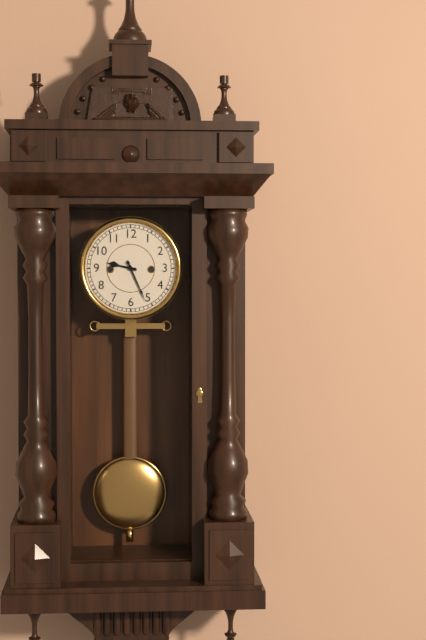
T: 9 h 26 min
